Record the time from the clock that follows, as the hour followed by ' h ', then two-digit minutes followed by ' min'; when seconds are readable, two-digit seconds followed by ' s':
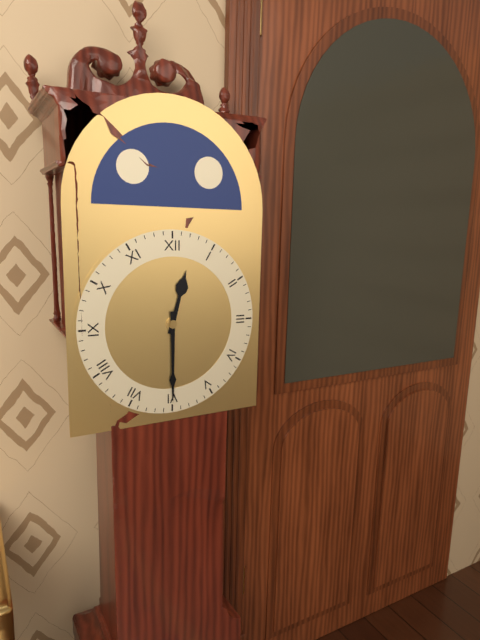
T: 12 h 30 min
